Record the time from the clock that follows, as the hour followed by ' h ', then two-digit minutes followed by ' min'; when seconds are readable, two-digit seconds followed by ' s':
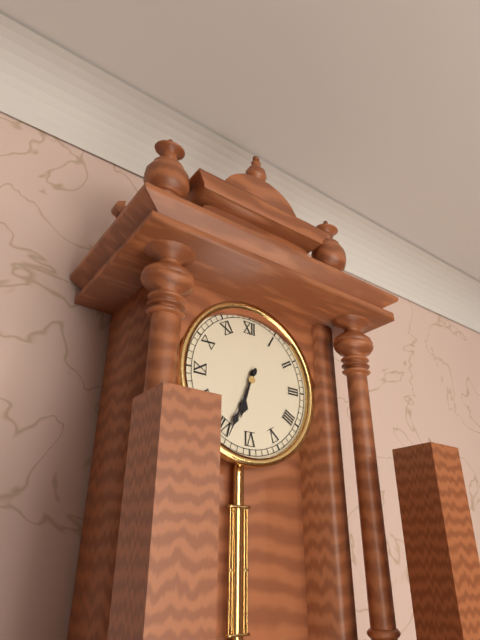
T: 6 h 34 min
